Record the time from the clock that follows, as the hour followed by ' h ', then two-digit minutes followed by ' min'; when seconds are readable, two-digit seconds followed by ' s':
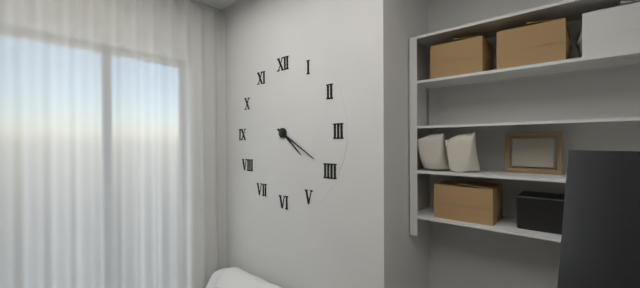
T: 4 h 20 min
